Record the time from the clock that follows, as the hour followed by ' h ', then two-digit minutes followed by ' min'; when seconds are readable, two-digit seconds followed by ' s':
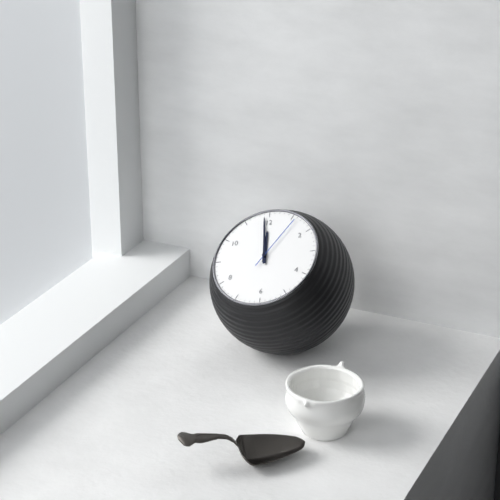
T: 11 h 59 min 06 s
